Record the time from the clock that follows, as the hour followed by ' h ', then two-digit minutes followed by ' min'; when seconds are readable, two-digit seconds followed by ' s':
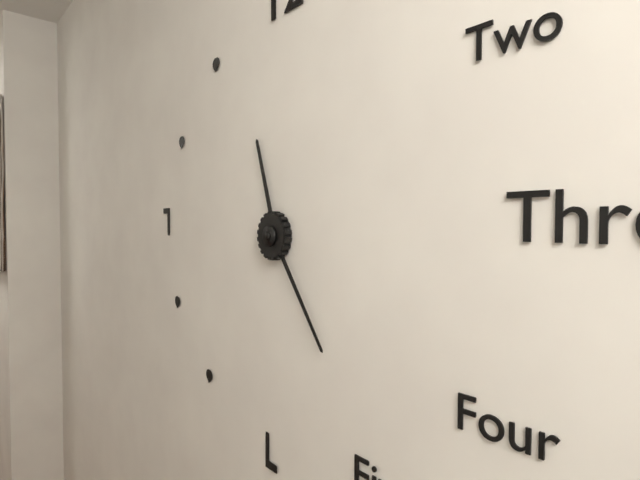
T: 11 h 24 min
